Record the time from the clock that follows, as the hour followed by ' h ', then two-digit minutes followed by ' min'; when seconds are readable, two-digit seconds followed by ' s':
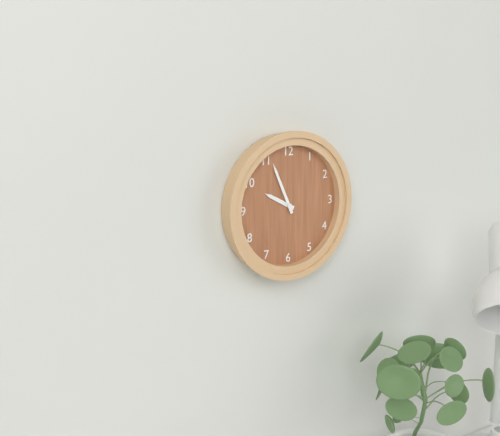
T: 9 h 56 min
